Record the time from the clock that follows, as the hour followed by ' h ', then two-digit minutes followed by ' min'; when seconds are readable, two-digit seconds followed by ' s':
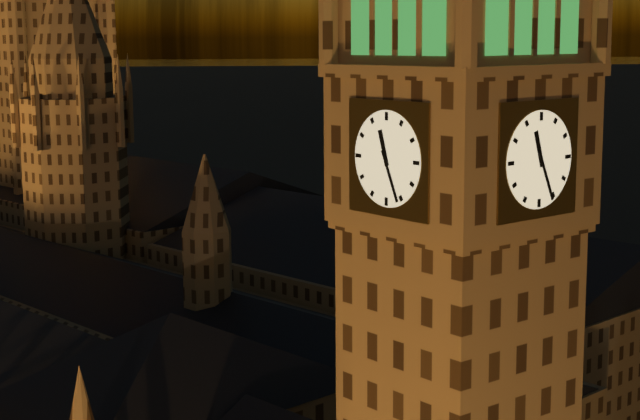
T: 11 h 26 min
